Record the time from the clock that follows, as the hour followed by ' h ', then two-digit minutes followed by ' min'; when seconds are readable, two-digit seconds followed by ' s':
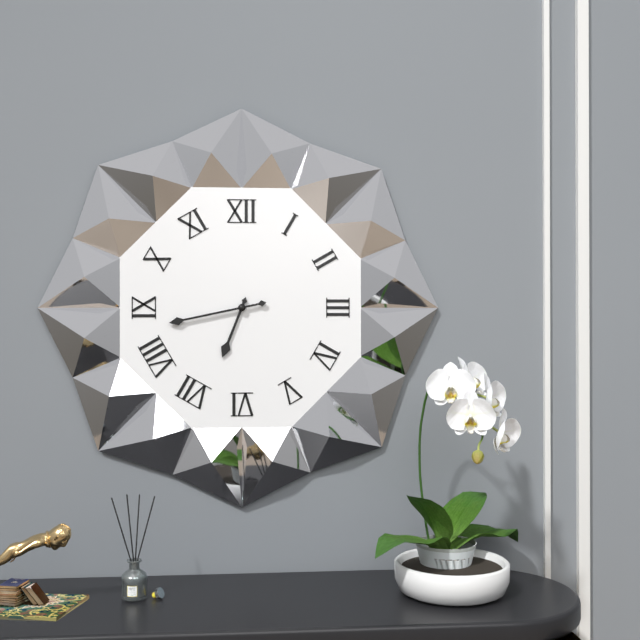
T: 6 h 43 min
